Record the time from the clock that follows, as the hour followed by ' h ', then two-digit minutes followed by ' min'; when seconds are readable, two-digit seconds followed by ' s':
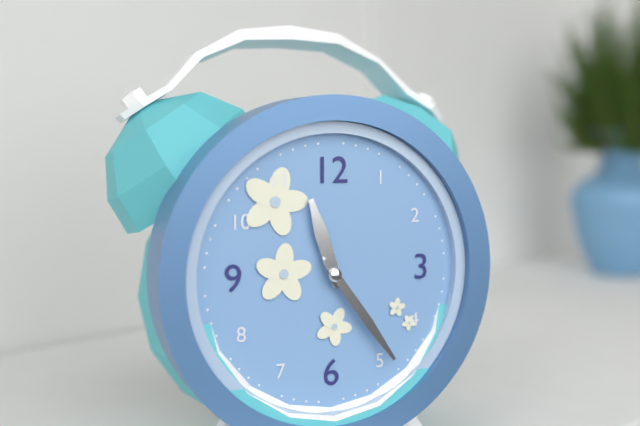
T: 11 h 24 min
